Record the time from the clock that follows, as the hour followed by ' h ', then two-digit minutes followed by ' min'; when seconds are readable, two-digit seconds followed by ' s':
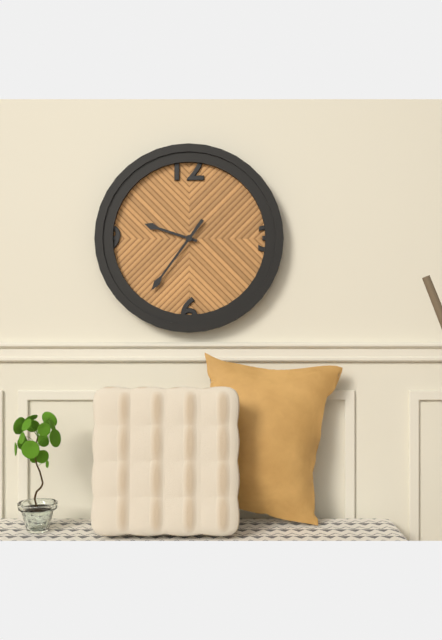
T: 9 h 36 min
